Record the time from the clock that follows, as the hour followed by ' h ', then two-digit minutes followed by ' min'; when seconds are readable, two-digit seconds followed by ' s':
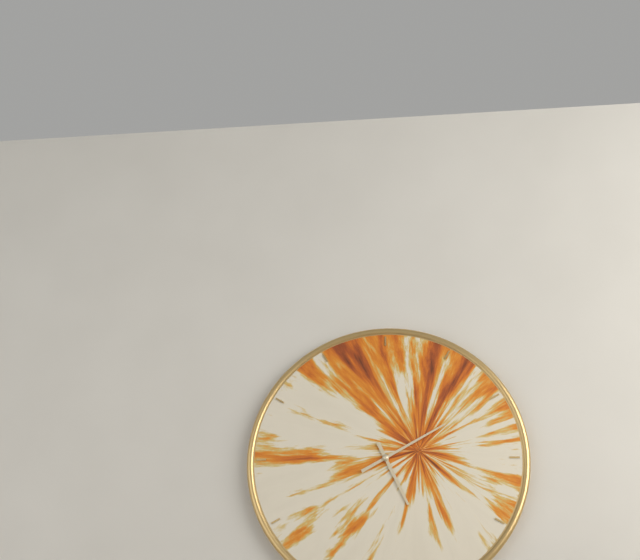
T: 5 h 10 min
